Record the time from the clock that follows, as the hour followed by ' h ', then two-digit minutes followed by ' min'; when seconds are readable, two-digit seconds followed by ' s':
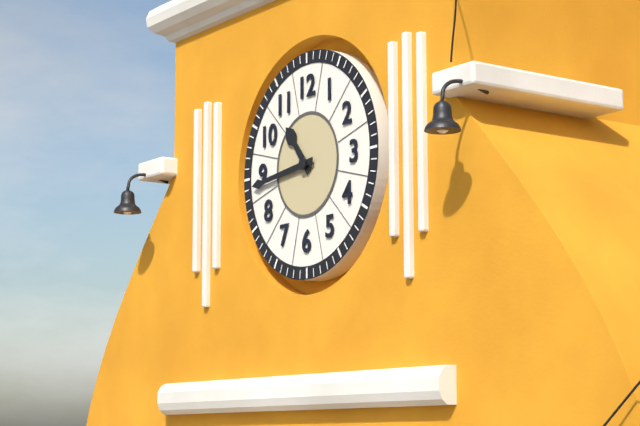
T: 10 h 44 min
